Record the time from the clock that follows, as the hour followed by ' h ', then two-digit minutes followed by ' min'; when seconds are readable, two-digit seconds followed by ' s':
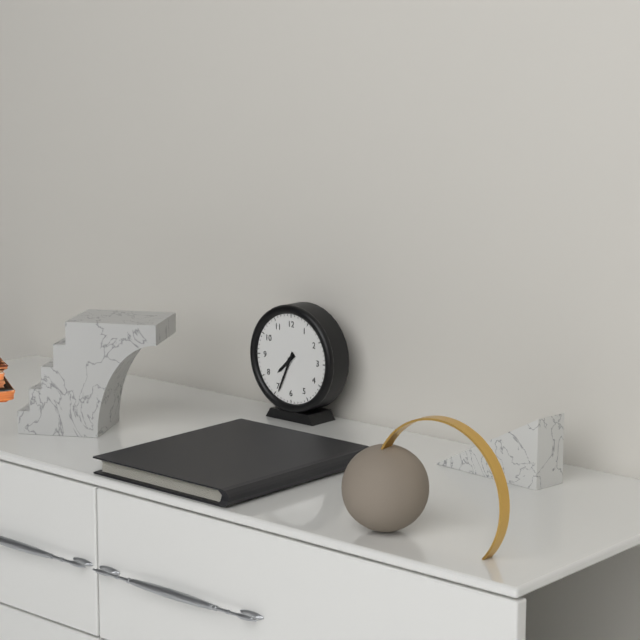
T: 7 h 34 min
